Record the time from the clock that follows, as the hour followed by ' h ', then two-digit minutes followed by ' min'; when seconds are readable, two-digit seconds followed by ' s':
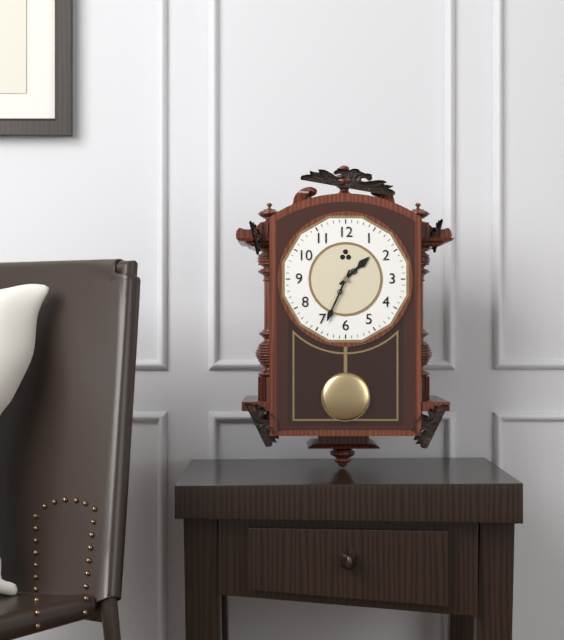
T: 1 h 34 min
